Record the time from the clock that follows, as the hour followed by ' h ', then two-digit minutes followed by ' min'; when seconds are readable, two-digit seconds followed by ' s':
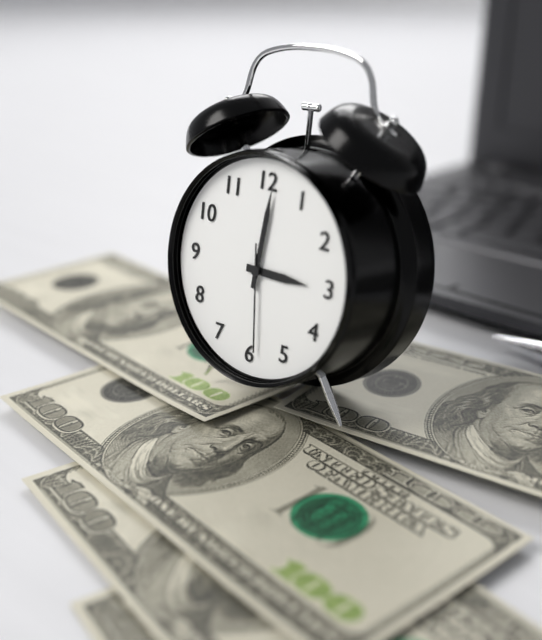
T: 3 h 01 min 29 s
